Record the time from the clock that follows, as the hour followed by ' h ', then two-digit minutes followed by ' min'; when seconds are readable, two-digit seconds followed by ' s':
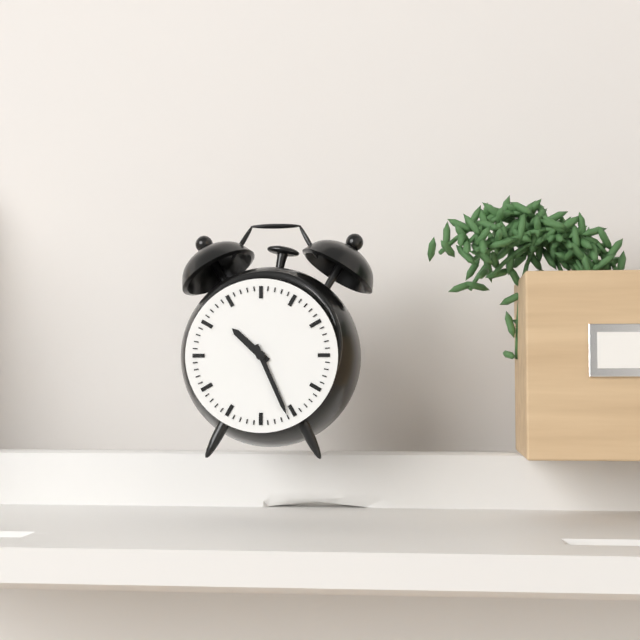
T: 10 h 26 min
